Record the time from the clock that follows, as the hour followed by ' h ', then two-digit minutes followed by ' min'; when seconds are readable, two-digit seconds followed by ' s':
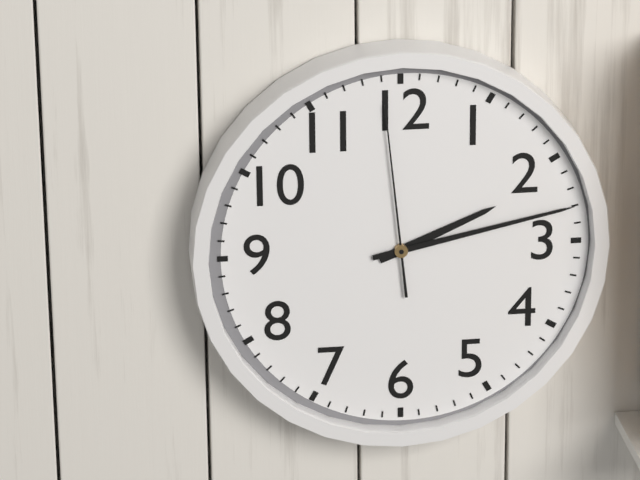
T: 2 h 13 min 59 s
